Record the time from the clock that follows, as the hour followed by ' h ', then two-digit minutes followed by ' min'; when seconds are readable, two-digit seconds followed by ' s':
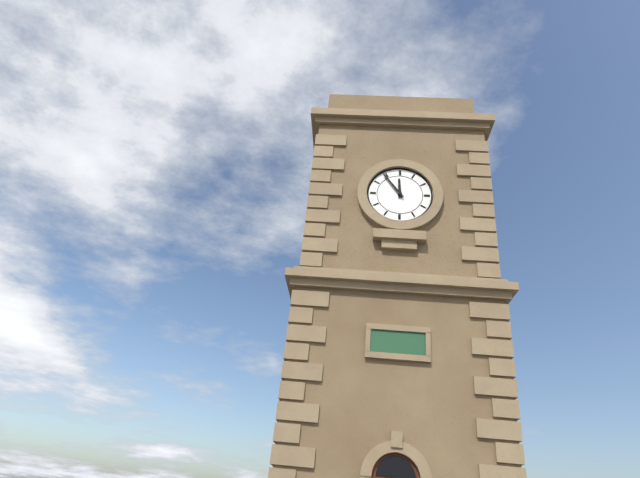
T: 11 h 54 min
